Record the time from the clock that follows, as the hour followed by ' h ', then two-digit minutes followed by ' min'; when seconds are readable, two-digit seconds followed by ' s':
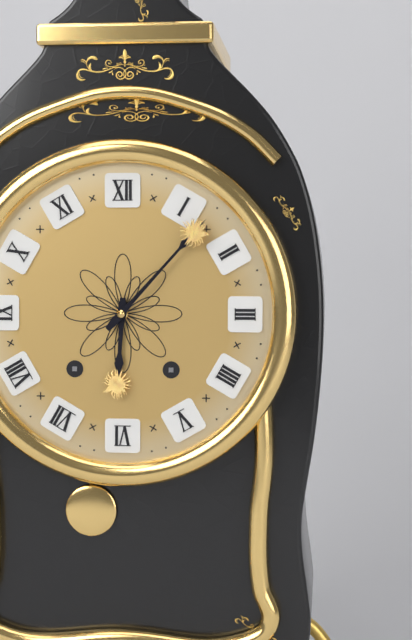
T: 6 h 07 min
